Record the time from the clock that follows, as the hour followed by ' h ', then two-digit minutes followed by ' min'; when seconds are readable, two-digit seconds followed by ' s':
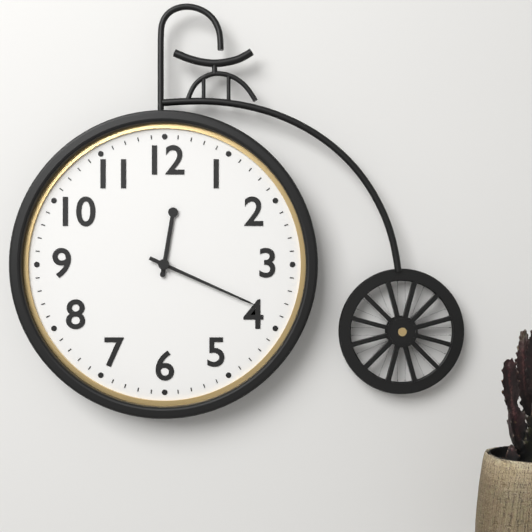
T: 12 h 19 min
